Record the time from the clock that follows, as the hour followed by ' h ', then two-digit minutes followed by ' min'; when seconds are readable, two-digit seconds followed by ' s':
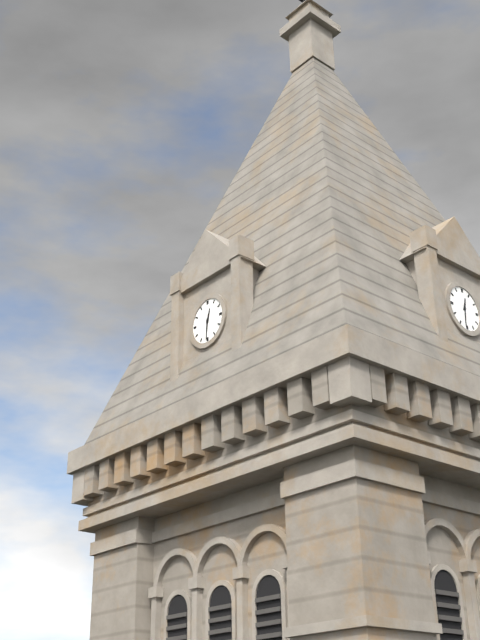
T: 12 h 31 min
